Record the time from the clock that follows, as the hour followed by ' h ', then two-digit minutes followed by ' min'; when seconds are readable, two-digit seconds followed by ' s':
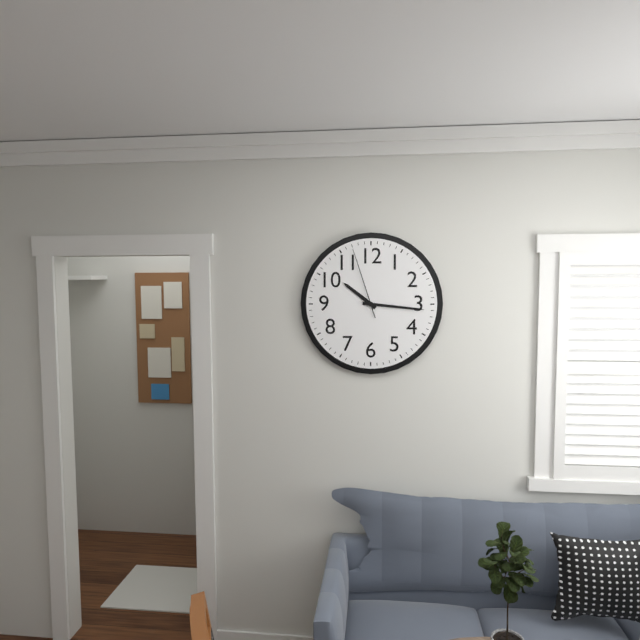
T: 10 h 16 min 57 s
